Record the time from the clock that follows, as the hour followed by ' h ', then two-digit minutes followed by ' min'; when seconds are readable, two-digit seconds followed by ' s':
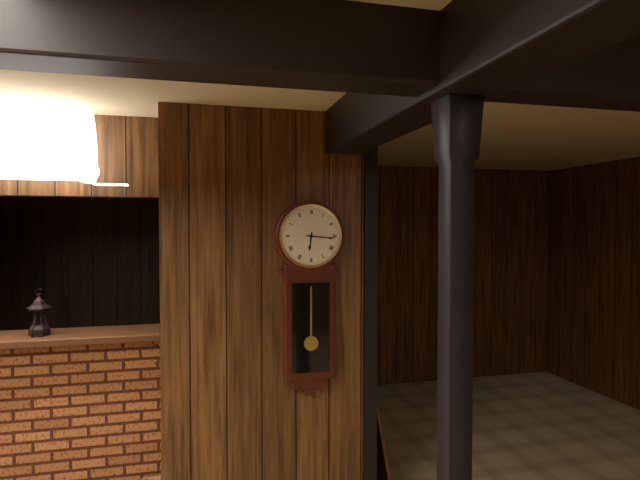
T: 6 h 16 min
